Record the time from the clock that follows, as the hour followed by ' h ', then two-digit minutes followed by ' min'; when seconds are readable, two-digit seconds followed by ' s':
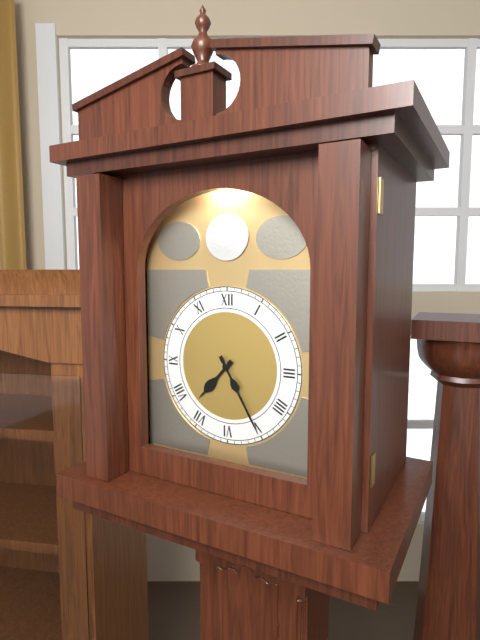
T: 7 h 25 min
